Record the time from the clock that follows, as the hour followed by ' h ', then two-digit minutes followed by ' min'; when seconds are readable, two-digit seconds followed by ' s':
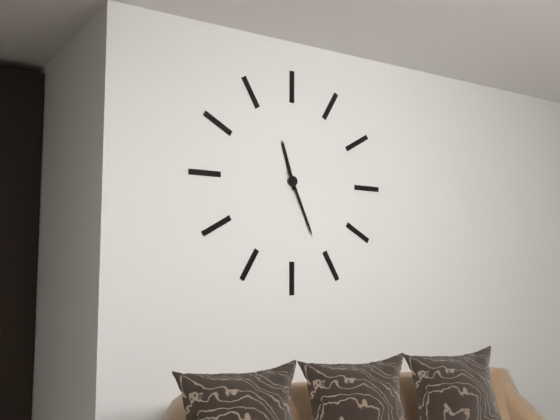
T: 11 h 26 min
